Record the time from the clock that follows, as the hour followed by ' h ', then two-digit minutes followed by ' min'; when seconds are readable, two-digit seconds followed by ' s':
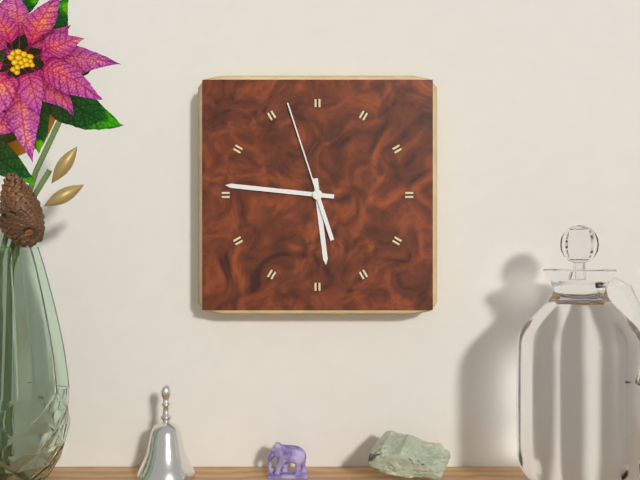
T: 5 h 46 min 57 s
